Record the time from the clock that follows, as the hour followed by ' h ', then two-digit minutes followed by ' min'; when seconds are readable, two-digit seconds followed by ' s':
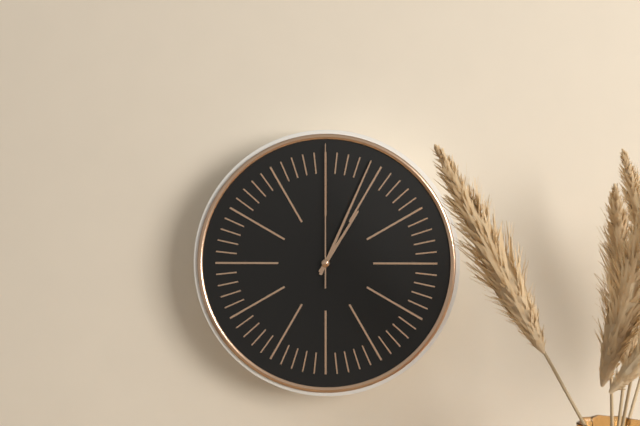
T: 1 h 04 min 00 s
